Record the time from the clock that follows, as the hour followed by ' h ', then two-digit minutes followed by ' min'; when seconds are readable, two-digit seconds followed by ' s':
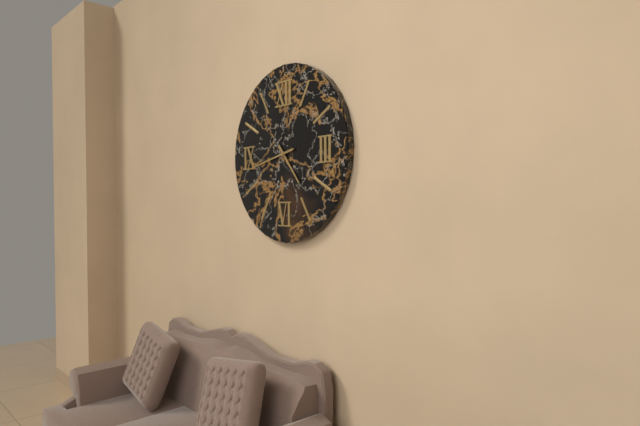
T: 4 h 43 min
